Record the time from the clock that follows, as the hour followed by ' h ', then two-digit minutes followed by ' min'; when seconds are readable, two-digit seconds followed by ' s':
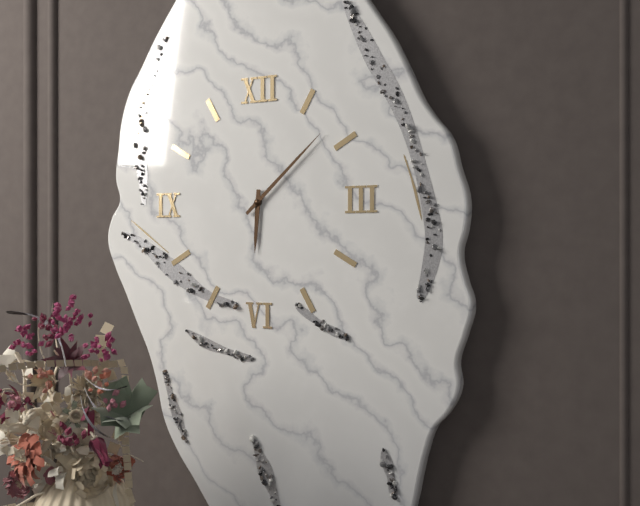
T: 6 h 08 min
